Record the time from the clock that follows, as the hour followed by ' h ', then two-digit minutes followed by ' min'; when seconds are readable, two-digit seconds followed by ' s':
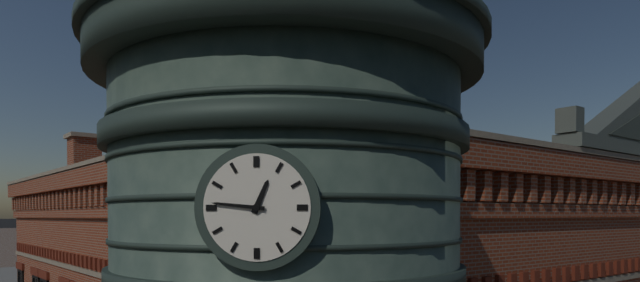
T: 12 h 46 min
